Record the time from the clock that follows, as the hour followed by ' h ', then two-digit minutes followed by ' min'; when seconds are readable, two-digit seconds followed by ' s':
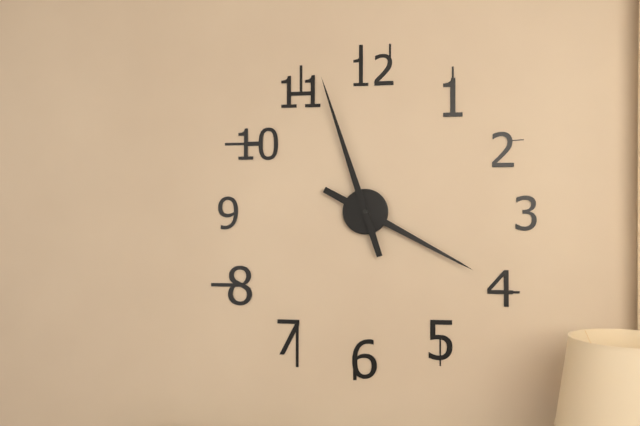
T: 3 h 57 min
